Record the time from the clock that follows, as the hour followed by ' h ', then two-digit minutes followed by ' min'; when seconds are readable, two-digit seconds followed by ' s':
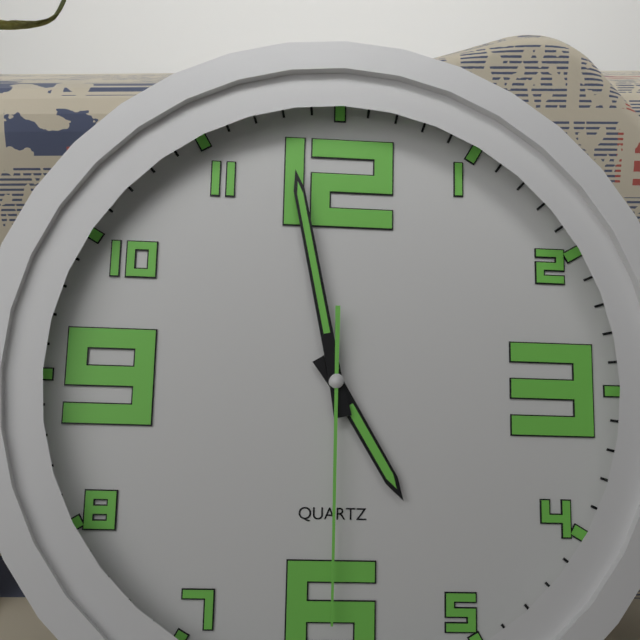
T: 4 h 58 min 30 s
